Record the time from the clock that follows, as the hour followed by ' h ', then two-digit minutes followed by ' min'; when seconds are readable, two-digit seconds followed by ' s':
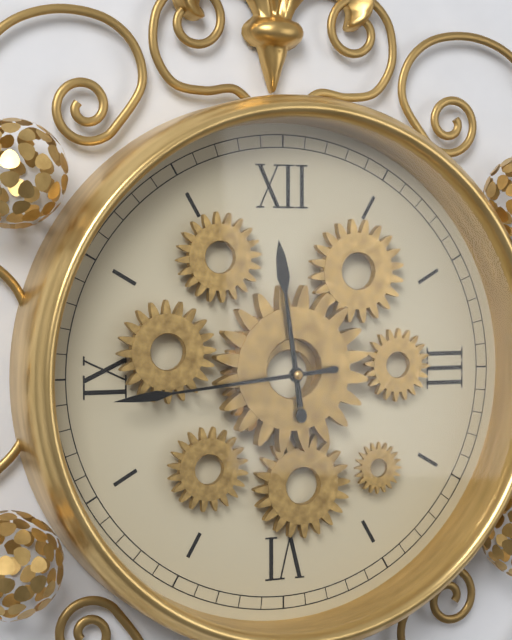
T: 11 h 44 min
